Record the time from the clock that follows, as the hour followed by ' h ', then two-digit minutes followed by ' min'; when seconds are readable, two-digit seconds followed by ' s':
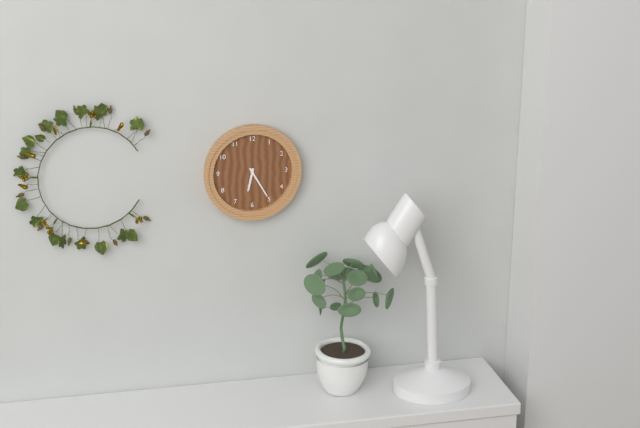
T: 6 h 25 min
